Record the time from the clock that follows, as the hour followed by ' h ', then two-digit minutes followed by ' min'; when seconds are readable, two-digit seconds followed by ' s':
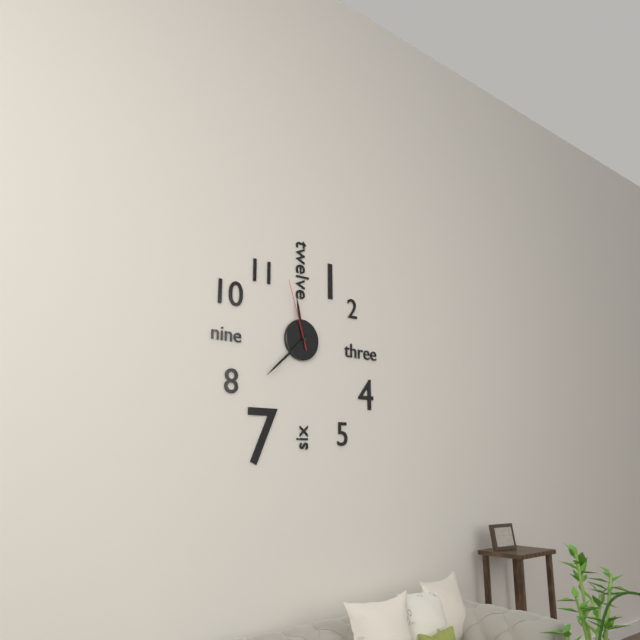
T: 11 h 38 min 57 s
